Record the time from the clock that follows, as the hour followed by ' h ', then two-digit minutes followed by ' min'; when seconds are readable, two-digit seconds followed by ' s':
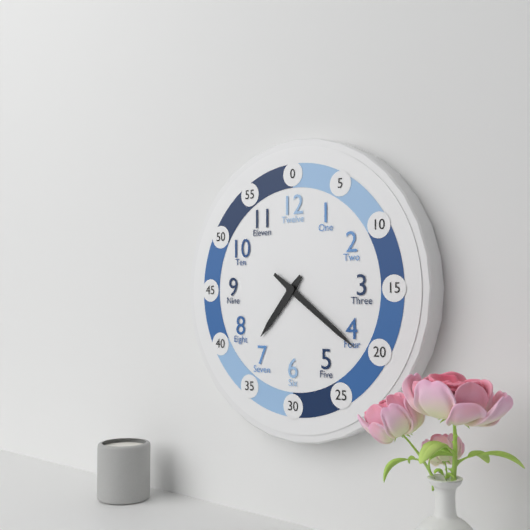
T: 7 h 21 min
